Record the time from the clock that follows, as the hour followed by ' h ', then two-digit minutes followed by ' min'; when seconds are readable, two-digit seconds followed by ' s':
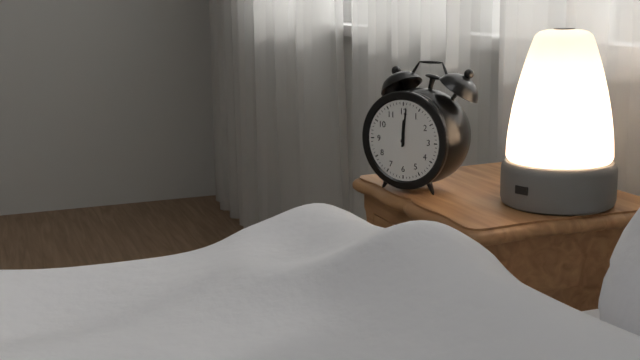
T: 12 h 01 min
